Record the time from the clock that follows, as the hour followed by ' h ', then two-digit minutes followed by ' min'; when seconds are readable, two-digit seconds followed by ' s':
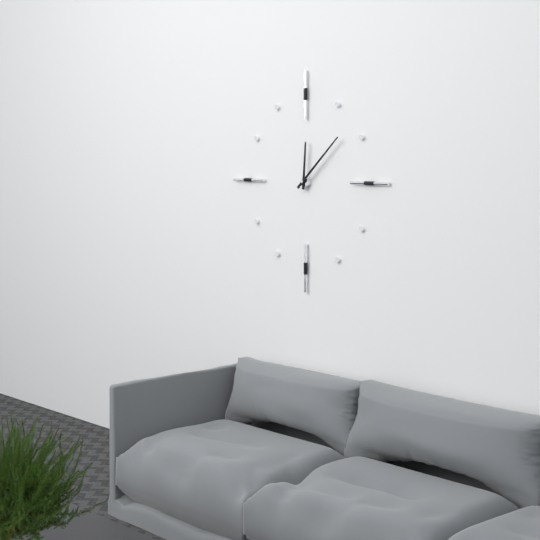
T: 12 h 08 min
